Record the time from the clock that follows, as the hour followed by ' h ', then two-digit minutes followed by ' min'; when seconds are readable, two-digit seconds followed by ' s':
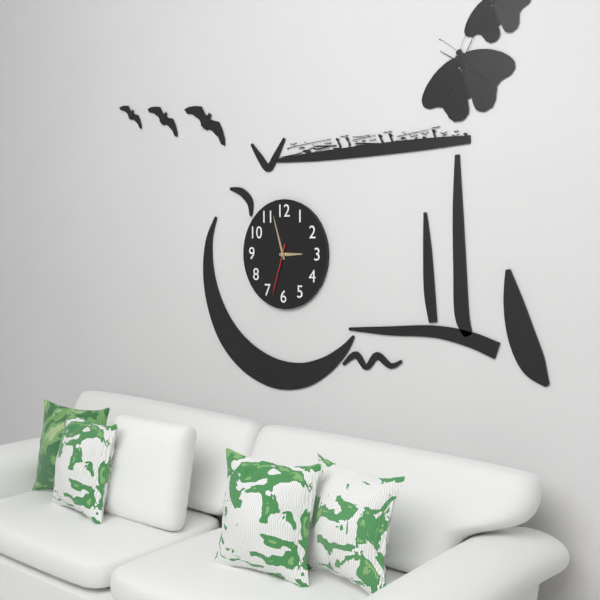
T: 2 h 57 min 33 s
